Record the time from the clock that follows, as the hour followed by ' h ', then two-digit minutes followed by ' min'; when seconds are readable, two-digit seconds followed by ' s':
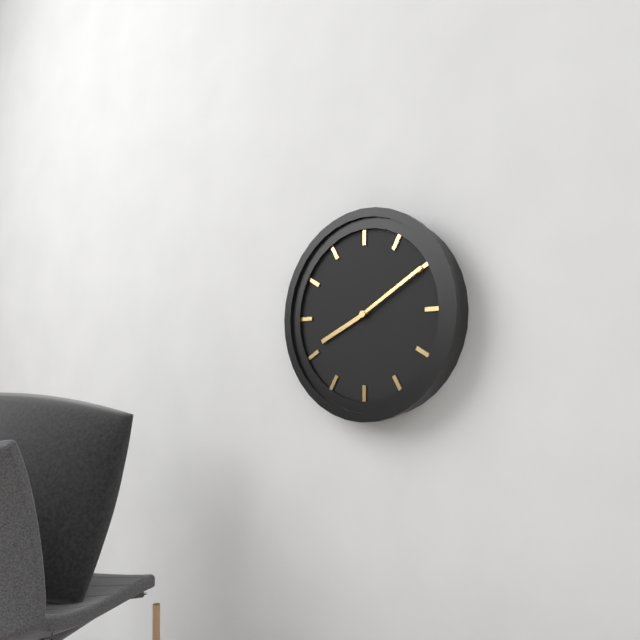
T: 8 h 10 min
